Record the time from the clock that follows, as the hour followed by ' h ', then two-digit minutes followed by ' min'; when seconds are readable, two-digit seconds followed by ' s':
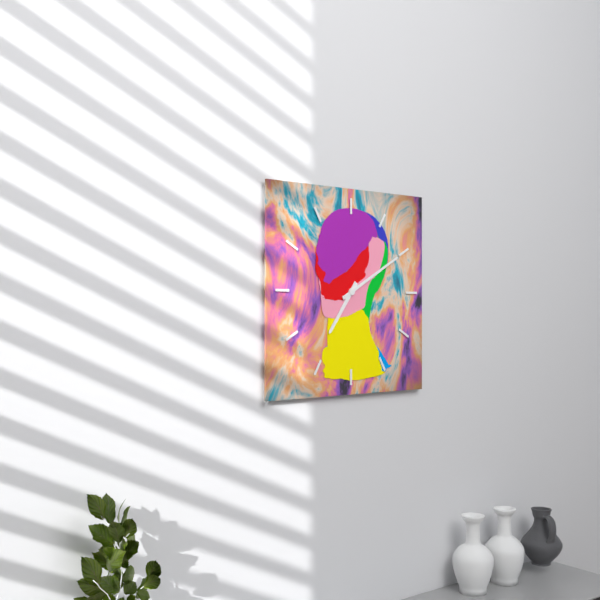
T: 7 h 10 min
